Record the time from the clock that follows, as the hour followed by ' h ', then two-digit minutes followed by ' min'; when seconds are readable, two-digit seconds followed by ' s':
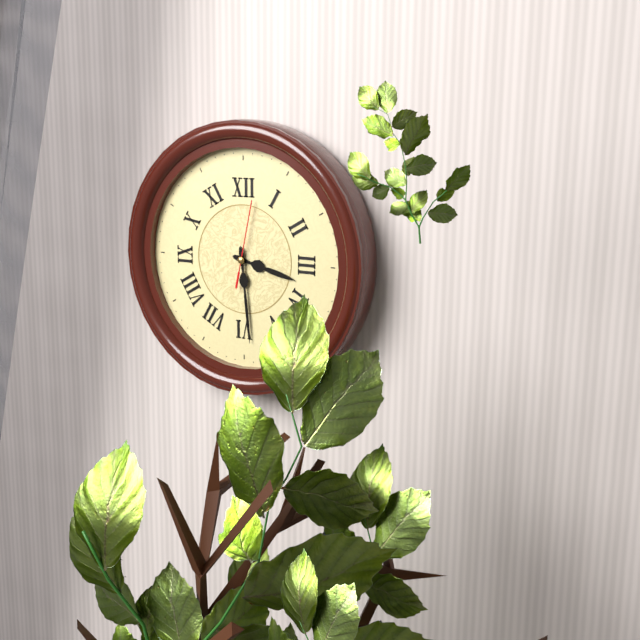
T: 3 h 29 min 02 s
